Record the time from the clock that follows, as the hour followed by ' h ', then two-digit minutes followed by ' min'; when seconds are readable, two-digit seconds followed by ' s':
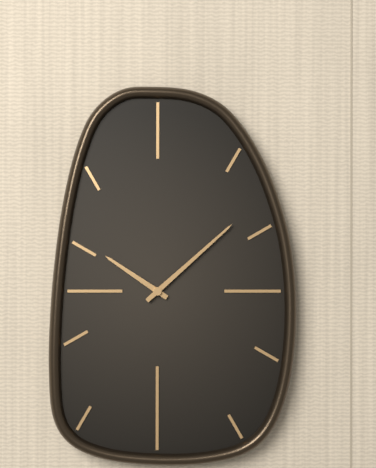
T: 10 h 08 min
